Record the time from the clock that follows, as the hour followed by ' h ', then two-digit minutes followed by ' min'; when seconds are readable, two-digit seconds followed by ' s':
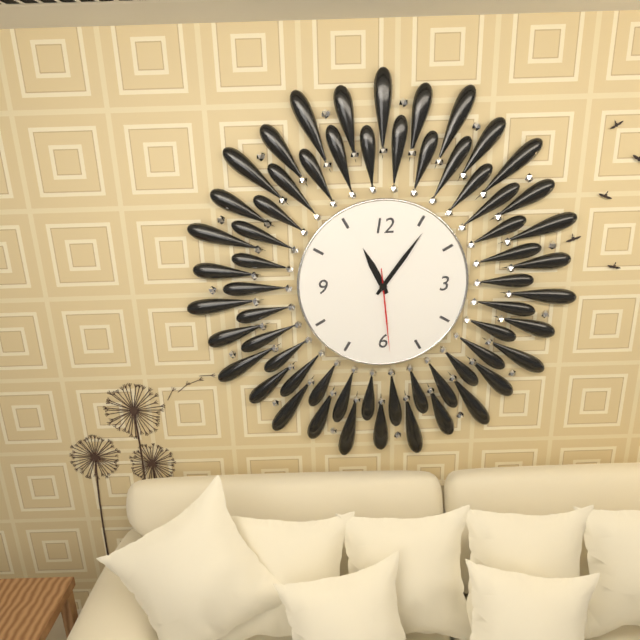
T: 11 h 06 min 29 s
